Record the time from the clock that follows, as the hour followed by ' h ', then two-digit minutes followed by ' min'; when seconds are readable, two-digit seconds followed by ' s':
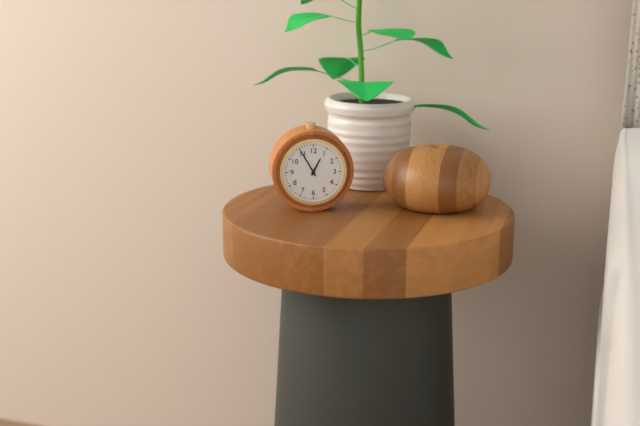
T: 12 h 55 min
